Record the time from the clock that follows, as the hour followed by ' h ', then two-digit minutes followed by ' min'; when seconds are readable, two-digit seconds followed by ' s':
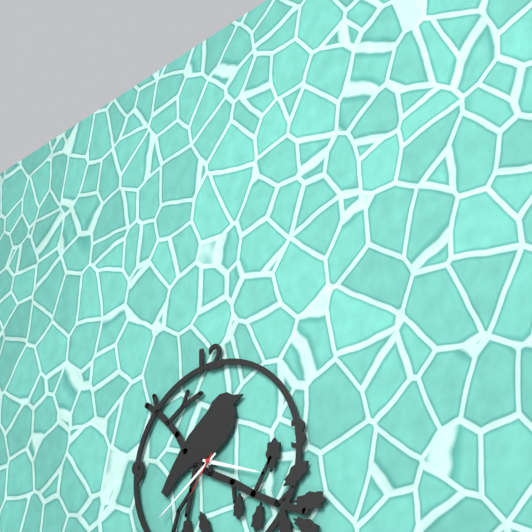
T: 3 h 39 min
